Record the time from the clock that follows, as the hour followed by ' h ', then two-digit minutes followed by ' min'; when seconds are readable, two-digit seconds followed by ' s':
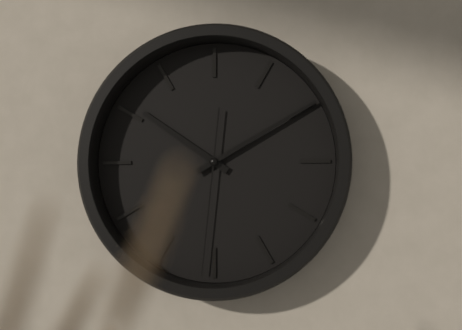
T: 10 h 10 min 31 s
